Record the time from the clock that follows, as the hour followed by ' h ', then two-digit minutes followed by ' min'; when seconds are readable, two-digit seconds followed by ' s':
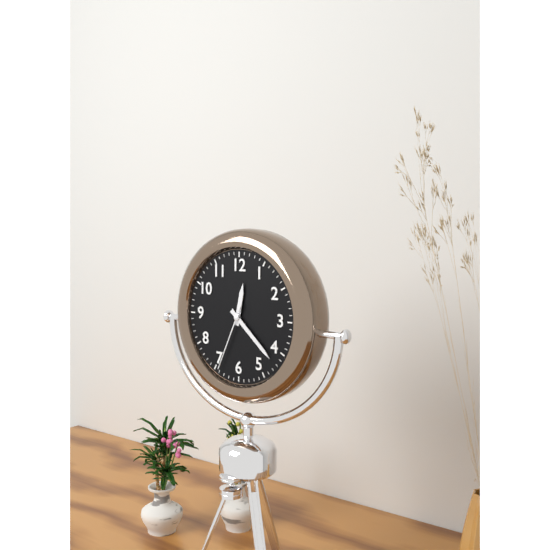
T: 12 h 22 min 34 s
